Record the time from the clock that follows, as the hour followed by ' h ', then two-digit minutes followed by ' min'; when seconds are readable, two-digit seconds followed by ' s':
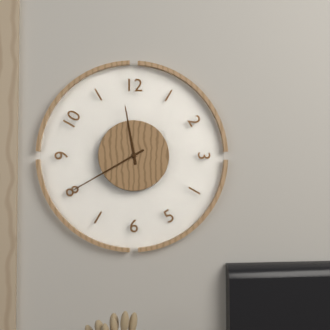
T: 11 h 40 min
